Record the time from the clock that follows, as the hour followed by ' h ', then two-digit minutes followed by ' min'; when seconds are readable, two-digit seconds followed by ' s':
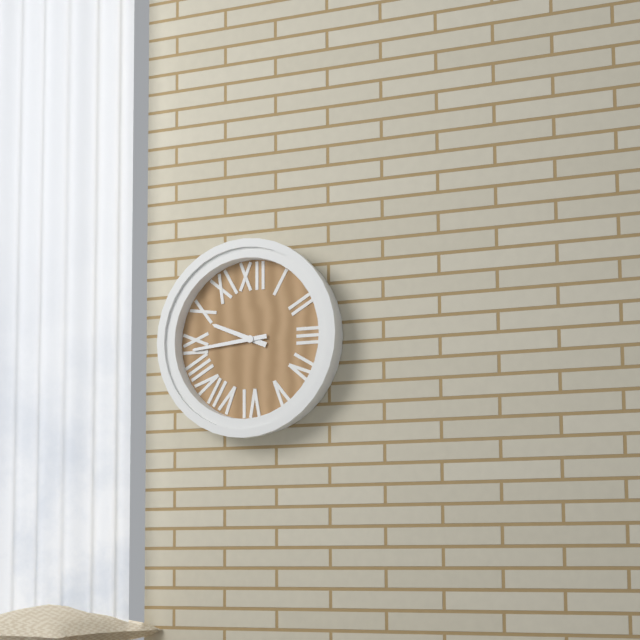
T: 9 h 44 min
